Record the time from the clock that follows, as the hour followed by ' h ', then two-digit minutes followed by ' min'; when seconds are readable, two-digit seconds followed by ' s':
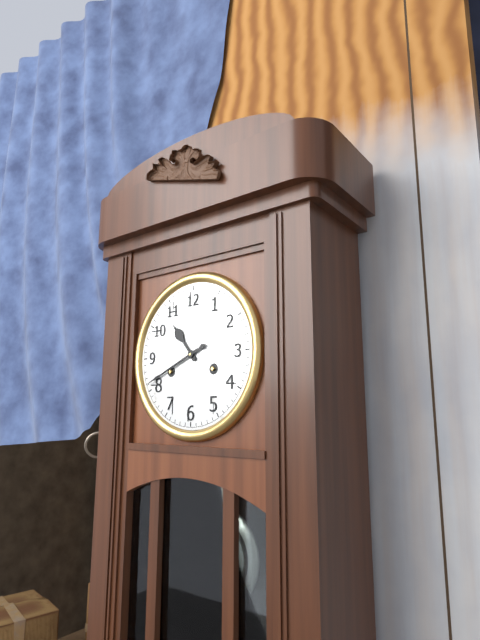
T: 10 h 41 min
